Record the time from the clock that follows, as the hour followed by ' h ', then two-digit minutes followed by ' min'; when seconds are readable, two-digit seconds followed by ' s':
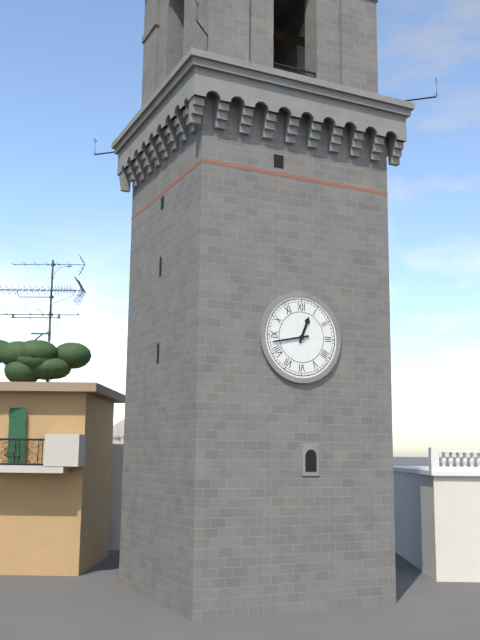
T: 12 h 43 min
